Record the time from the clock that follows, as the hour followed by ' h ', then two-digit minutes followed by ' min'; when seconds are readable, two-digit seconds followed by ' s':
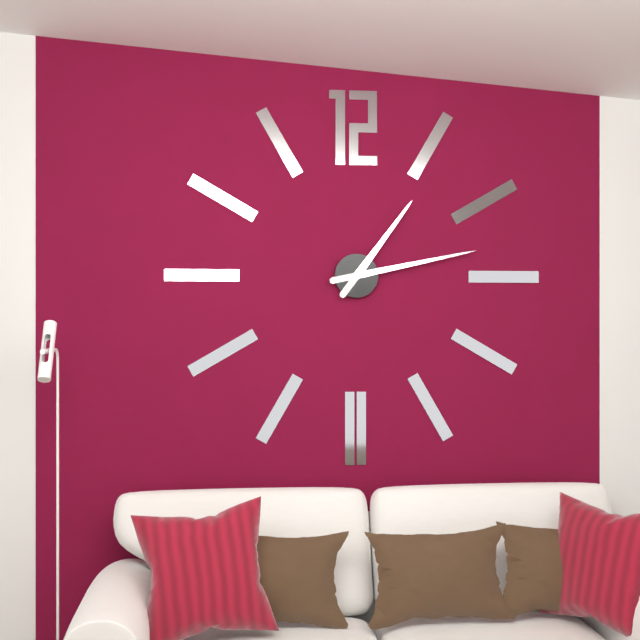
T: 1 h 13 min
